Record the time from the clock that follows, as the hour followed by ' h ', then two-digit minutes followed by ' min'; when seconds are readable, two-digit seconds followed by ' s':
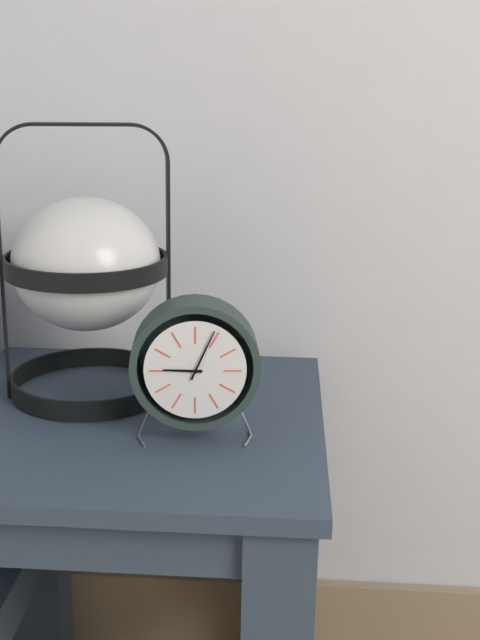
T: 9 h 04 min
